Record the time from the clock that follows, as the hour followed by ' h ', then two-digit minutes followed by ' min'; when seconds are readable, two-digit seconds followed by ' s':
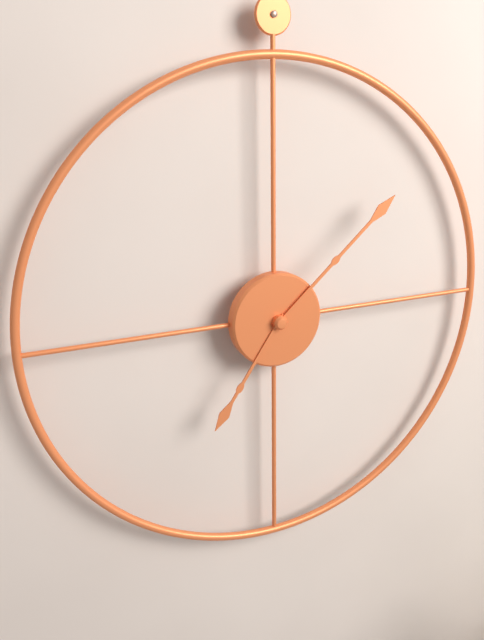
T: 7 h 08 min
